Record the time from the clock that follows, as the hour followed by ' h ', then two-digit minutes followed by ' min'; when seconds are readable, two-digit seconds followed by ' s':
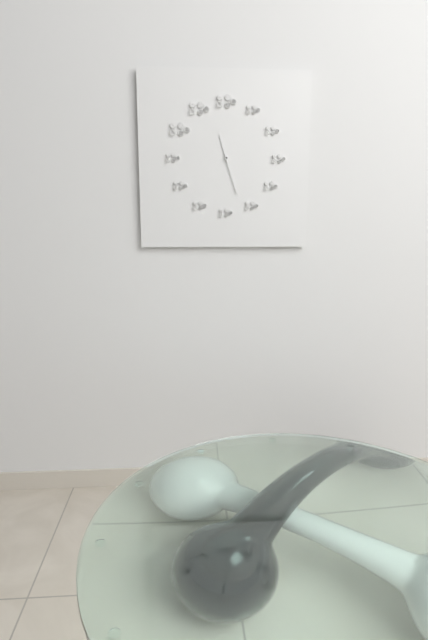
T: 11 h 27 min
